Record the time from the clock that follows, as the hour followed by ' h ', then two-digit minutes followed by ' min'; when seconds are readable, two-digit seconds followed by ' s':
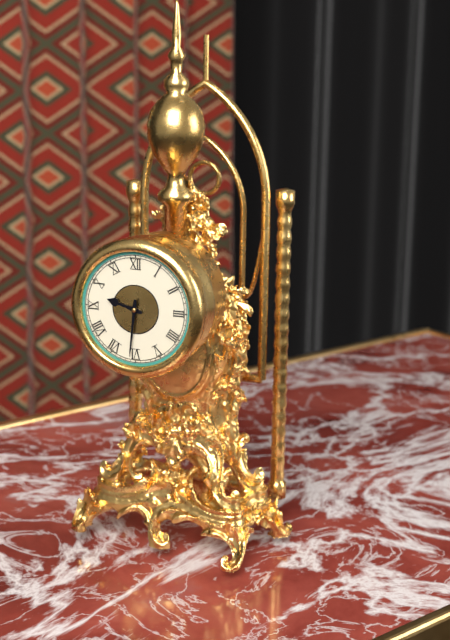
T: 9 h 31 min
